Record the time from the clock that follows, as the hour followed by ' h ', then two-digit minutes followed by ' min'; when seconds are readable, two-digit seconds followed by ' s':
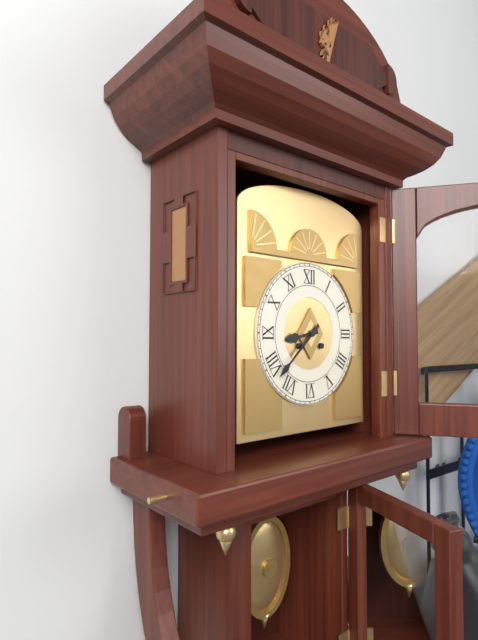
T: 8 h 38 min
